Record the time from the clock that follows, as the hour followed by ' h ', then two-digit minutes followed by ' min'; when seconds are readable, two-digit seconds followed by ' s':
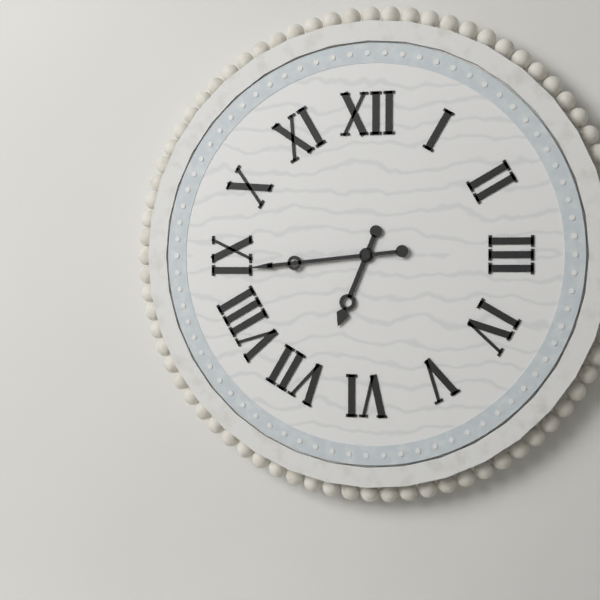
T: 6 h 44 min
